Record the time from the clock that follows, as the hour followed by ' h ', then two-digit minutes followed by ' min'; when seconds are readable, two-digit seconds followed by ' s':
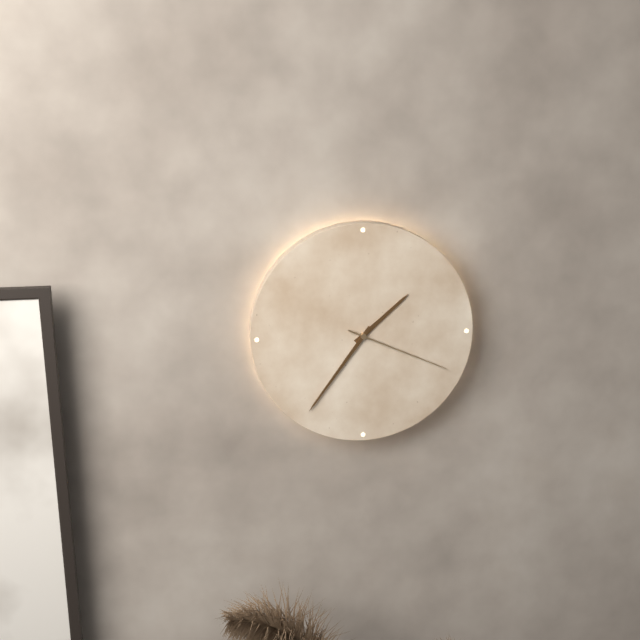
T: 1 h 36 min 19 s
